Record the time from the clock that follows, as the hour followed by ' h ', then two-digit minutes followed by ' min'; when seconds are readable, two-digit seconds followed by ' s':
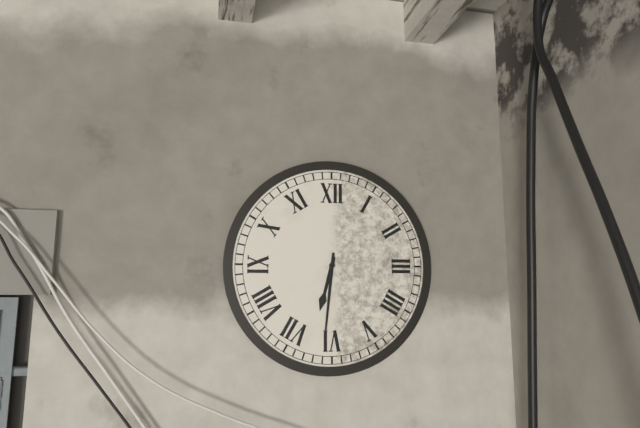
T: 6 h 31 min
